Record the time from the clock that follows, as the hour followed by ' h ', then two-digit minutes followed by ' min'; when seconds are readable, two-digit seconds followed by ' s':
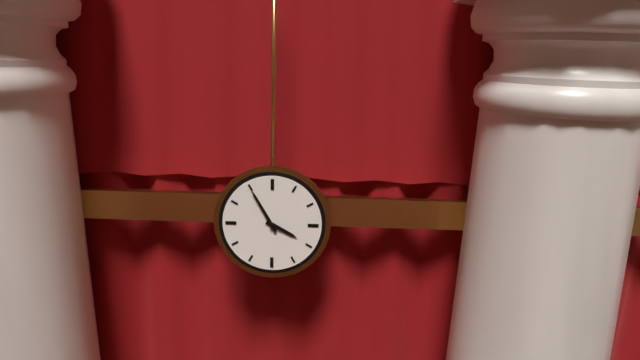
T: 3 h 55 min
